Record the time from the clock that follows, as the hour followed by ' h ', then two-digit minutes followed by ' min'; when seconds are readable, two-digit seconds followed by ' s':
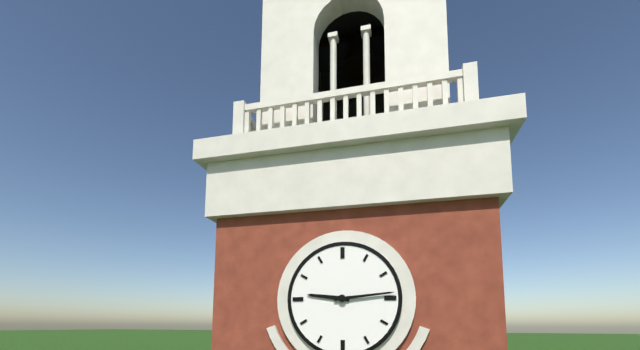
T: 9 h 14 min
